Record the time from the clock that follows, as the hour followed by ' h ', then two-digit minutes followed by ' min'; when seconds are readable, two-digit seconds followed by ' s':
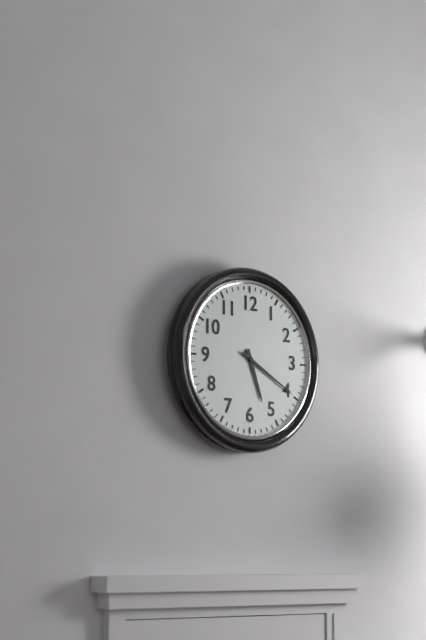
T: 5 h 20 min
